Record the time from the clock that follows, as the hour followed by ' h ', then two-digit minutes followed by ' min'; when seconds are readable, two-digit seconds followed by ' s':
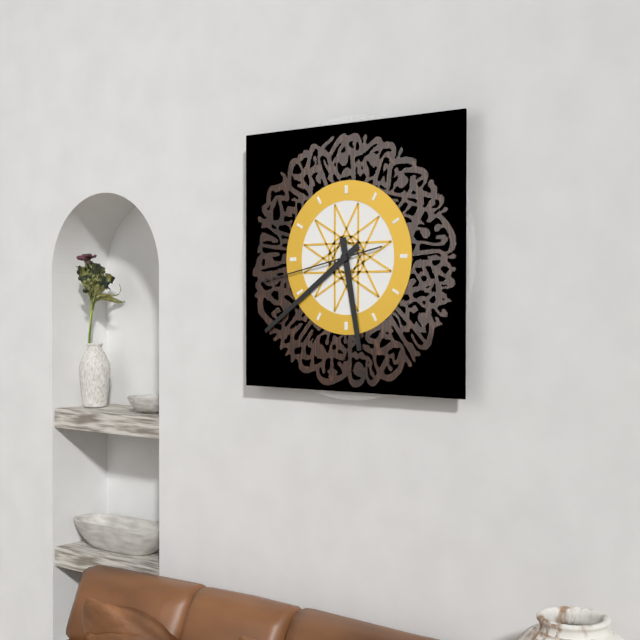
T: 5 h 39 min 43 s
